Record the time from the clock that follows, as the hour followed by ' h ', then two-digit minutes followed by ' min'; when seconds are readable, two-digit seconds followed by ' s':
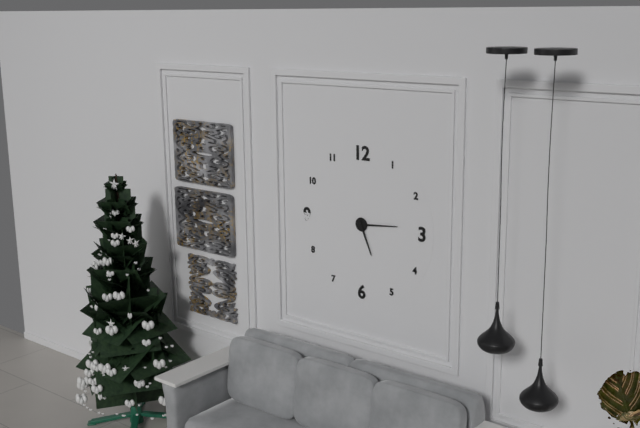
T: 5 h 14 min
